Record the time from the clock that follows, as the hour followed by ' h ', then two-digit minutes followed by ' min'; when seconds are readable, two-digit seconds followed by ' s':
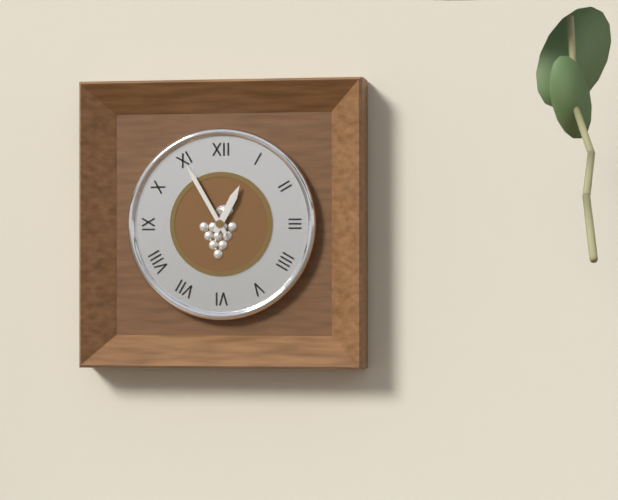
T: 12 h 55 min
